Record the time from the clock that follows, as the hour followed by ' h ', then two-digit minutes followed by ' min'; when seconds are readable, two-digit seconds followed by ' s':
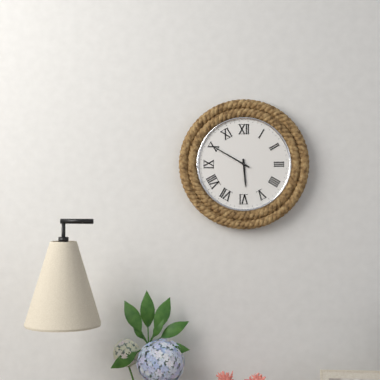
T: 5 h 50 min
